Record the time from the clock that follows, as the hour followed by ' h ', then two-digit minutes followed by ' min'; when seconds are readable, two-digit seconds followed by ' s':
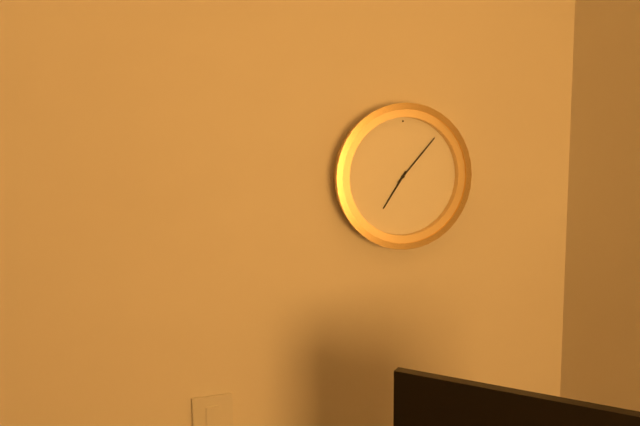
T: 7 h 07 min
